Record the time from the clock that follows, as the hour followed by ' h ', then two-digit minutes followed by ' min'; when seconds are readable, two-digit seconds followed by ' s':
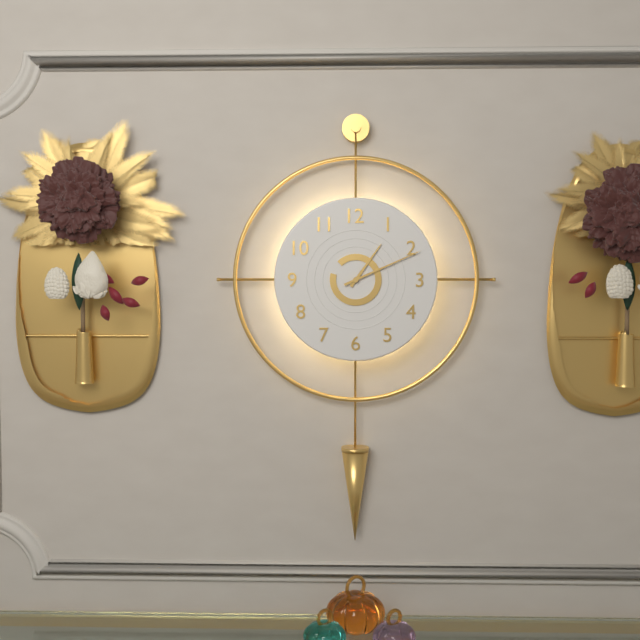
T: 1 h 11 min
